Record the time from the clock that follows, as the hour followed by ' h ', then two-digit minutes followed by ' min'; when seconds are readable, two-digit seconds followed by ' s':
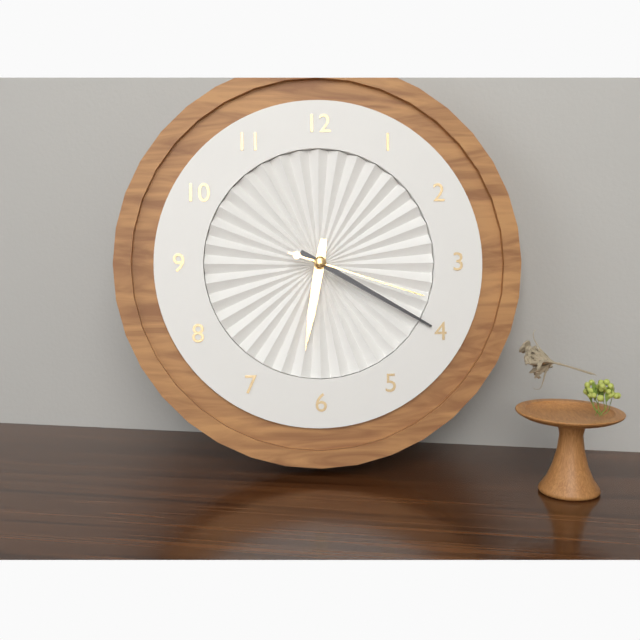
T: 6 h 20 min 18 s
